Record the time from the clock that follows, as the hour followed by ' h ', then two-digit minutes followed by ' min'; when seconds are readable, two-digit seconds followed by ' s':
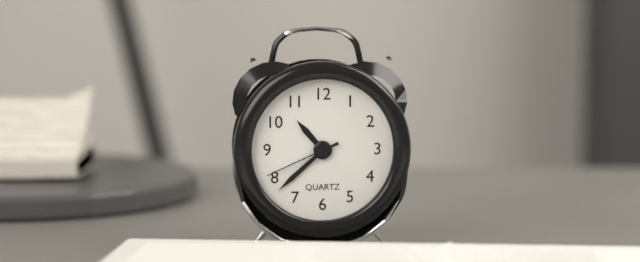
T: 10 h 38 min 41 s
